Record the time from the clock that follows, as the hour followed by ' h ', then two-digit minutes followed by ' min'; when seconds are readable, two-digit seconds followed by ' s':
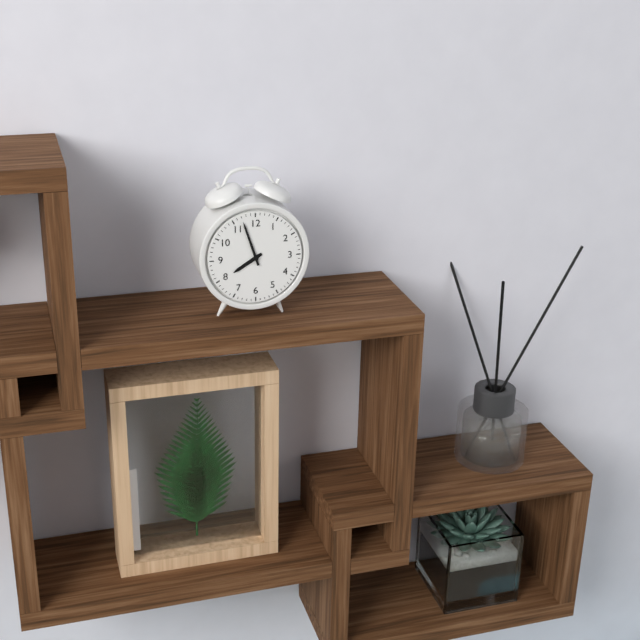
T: 7 h 57 min
